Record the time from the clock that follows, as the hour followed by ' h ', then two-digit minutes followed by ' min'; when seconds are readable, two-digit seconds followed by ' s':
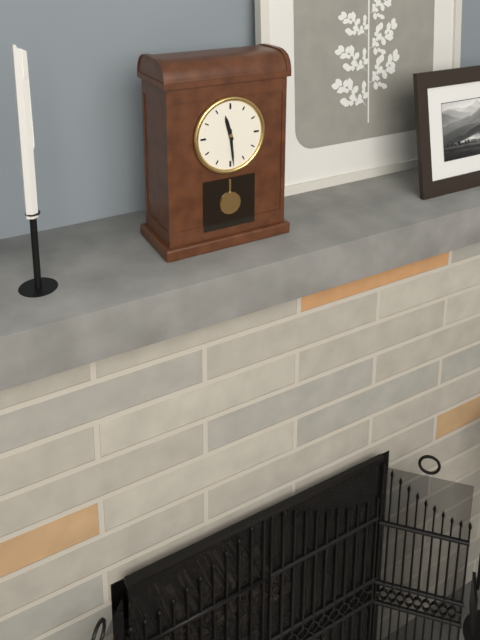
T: 11 h 29 min
